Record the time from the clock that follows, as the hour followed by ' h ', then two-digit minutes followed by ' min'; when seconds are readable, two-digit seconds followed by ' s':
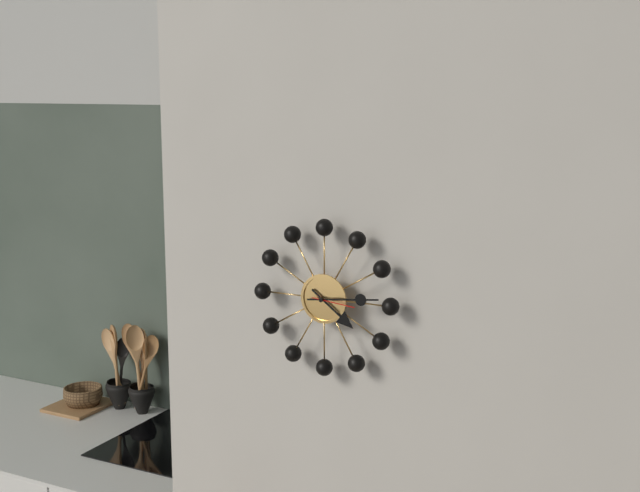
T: 4 h 14 min
